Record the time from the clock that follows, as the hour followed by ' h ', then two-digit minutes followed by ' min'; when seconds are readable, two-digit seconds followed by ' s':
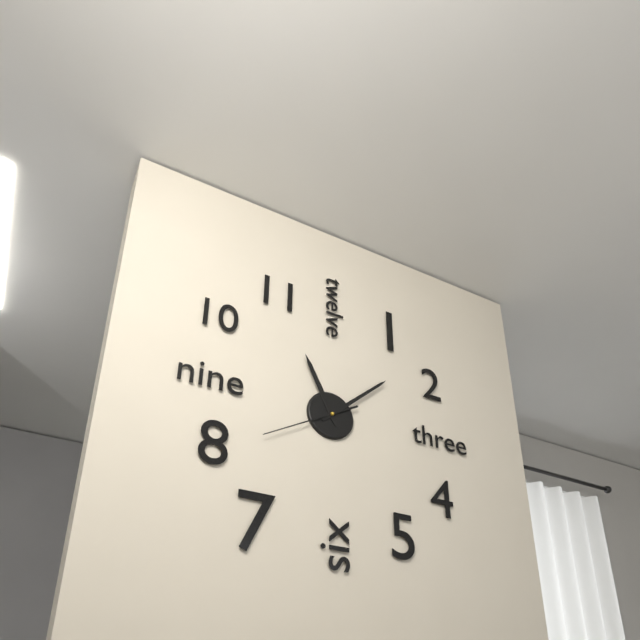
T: 11 h 08 min 40 s
